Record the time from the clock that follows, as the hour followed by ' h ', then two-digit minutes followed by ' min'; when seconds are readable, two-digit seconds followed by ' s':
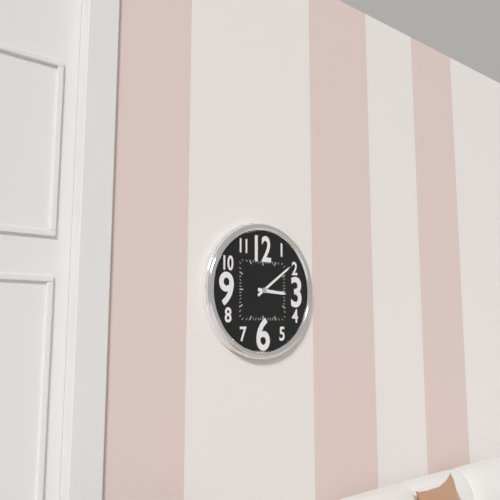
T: 3 h 09 min
